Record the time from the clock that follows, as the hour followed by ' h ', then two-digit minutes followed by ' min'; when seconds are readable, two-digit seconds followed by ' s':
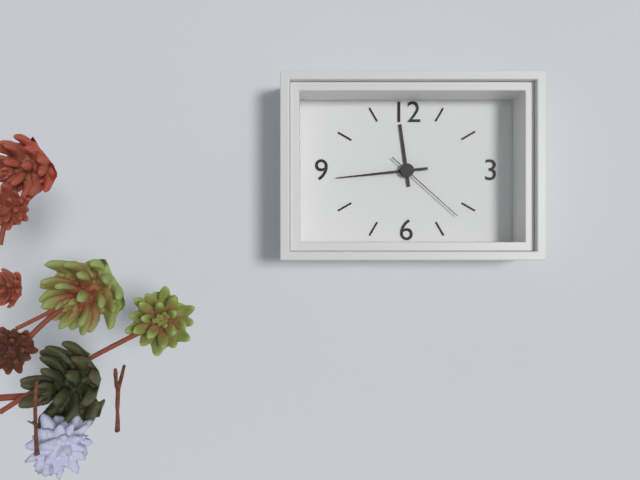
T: 11 h 44 min 22 s
